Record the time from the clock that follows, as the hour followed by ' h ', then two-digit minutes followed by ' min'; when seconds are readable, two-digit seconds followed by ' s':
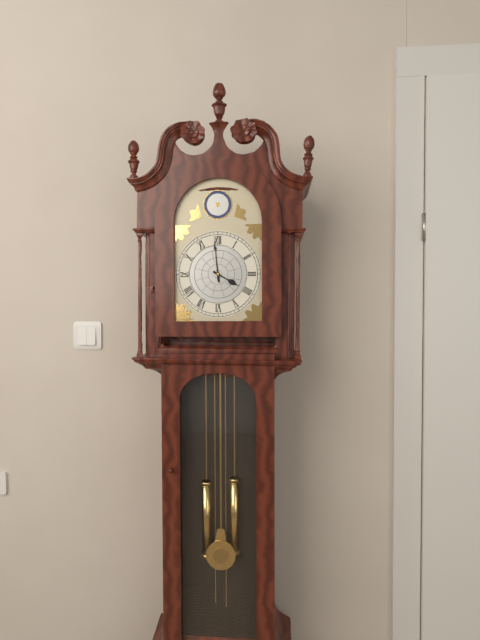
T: 3 h 59 min
